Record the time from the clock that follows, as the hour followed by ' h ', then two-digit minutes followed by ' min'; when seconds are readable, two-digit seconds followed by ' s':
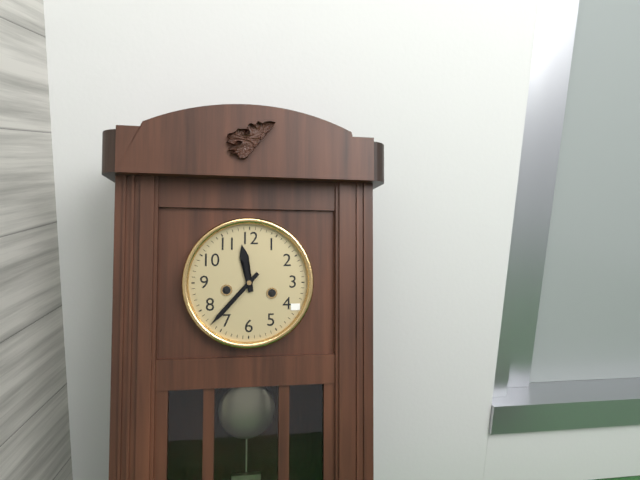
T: 11 h 37 min
